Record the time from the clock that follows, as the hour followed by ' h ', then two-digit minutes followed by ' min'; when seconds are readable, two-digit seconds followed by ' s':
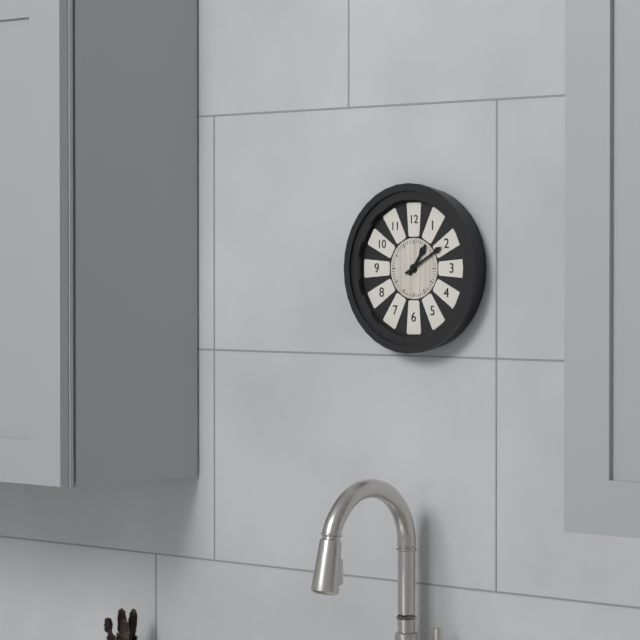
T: 1 h 10 min
